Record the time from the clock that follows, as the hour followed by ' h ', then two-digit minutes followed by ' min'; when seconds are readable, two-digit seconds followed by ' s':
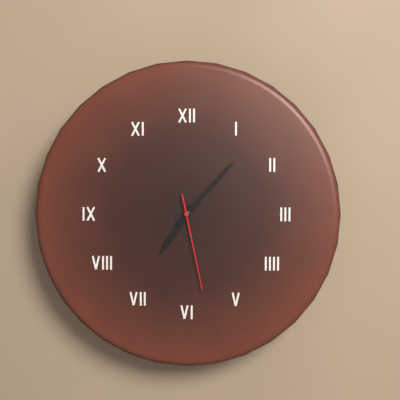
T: 7 h 07 min 28 s
